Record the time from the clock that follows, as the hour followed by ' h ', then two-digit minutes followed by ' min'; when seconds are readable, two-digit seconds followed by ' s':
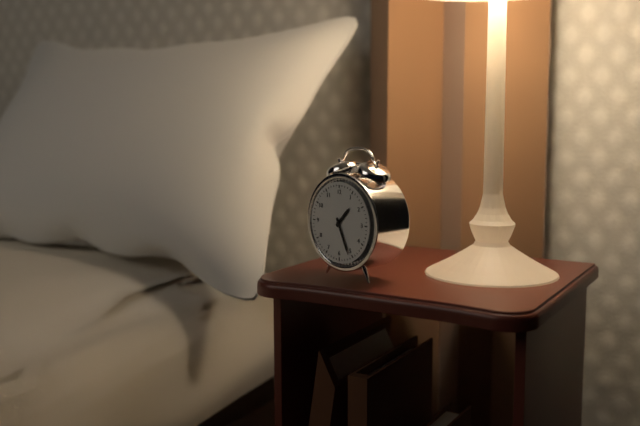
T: 1 h 26 min
